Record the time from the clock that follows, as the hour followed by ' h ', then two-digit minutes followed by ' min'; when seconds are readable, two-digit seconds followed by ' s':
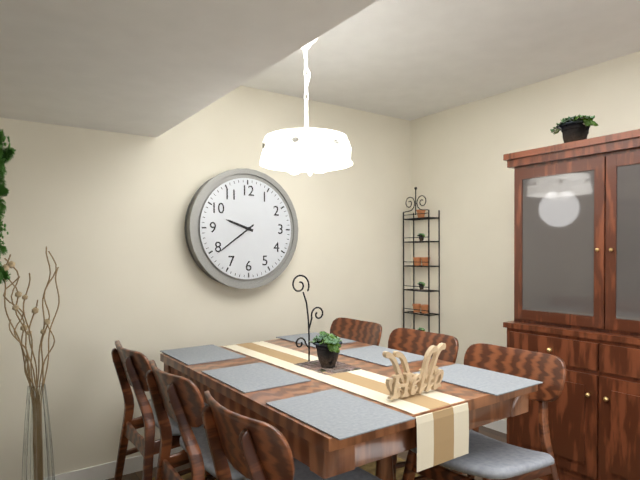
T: 9 h 39 min
